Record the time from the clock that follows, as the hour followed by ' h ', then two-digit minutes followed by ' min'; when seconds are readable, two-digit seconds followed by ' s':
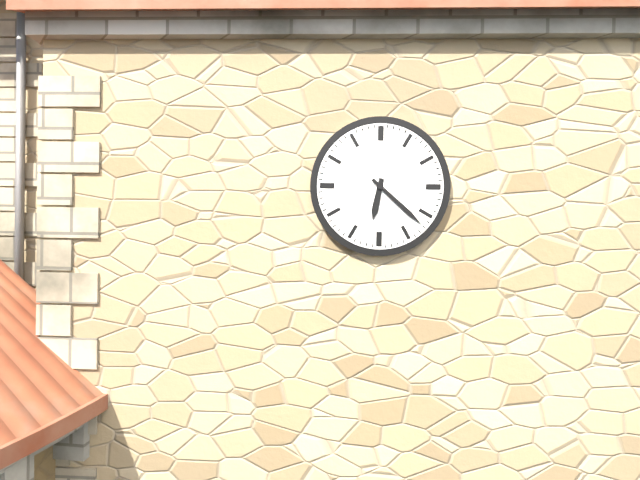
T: 6 h 22 min
